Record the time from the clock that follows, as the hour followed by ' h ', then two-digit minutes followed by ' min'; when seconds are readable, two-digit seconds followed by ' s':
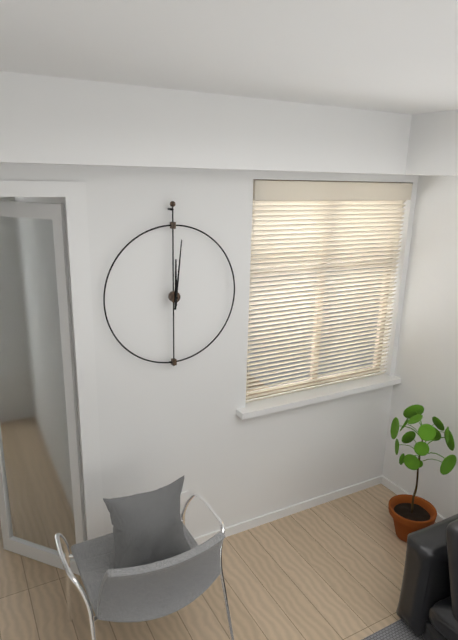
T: 12 h 01 min
